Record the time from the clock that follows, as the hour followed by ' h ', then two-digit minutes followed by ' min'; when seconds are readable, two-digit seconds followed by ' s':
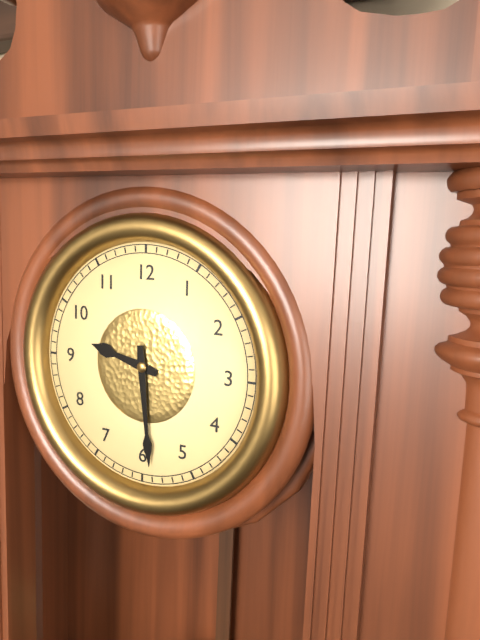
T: 9 h 29 min
